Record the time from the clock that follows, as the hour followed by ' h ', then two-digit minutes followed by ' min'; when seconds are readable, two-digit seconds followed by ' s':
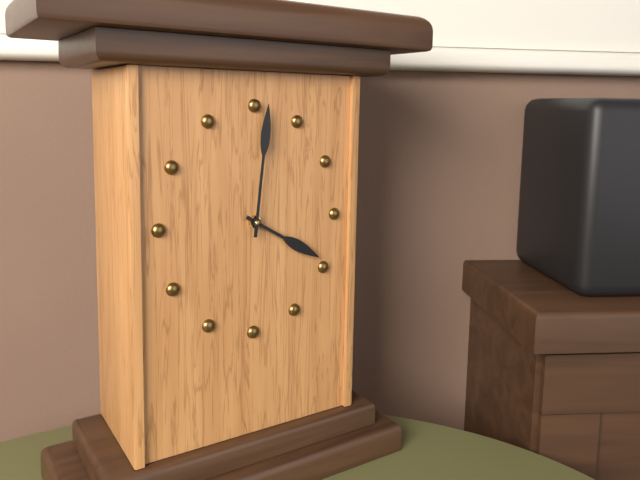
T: 4 h 01 min
